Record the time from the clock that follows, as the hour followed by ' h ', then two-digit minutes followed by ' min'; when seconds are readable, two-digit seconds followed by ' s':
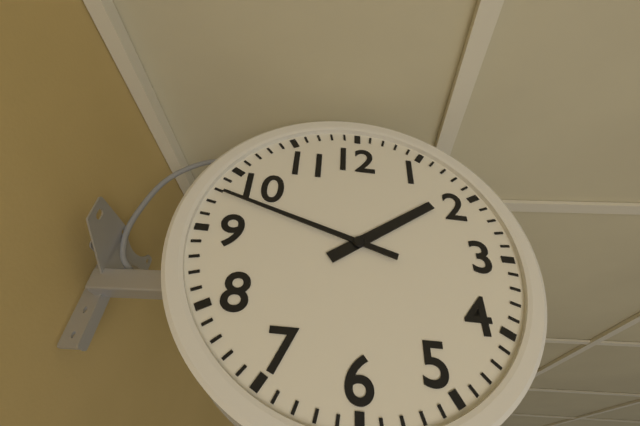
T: 1 h 48 min
